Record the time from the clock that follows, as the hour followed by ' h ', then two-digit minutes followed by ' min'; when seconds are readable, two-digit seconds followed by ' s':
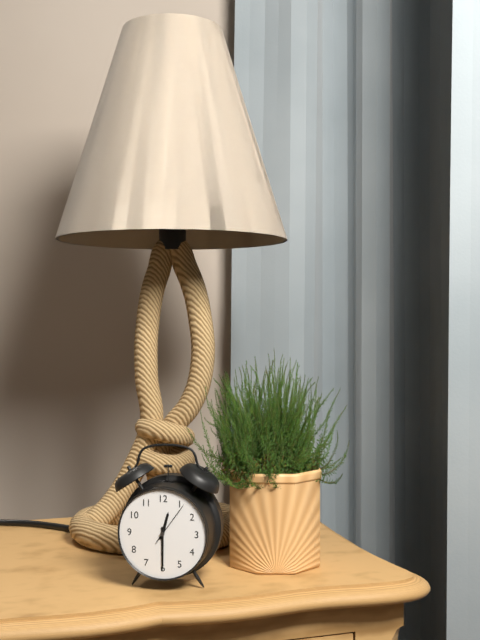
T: 12 h 30 min
